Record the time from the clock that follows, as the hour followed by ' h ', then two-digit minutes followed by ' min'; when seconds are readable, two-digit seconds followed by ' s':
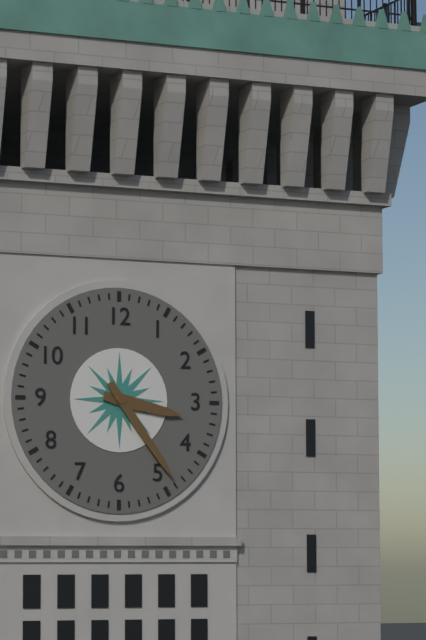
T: 3 h 24 min
